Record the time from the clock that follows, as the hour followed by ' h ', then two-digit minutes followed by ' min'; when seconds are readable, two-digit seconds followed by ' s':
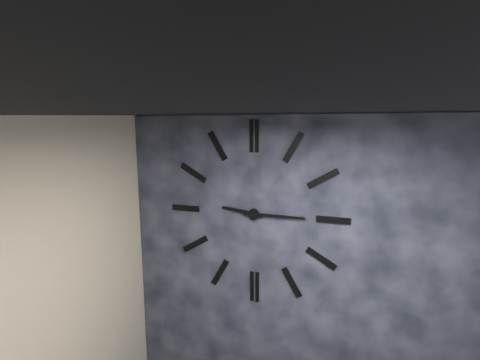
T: 9 h 15 min
